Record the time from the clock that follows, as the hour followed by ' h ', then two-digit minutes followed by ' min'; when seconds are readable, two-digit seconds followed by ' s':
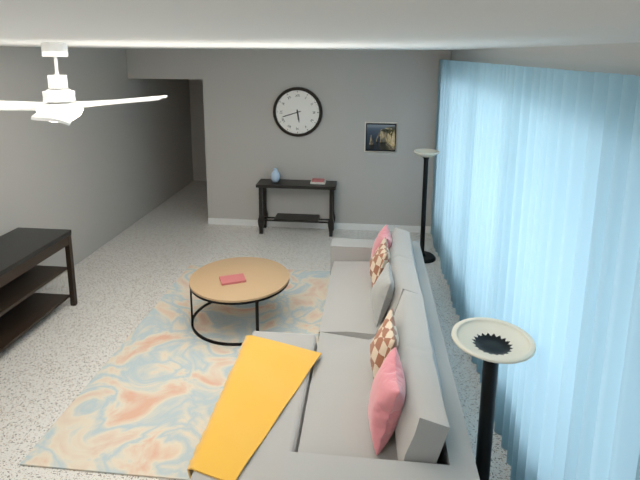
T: 5 h 42 min
